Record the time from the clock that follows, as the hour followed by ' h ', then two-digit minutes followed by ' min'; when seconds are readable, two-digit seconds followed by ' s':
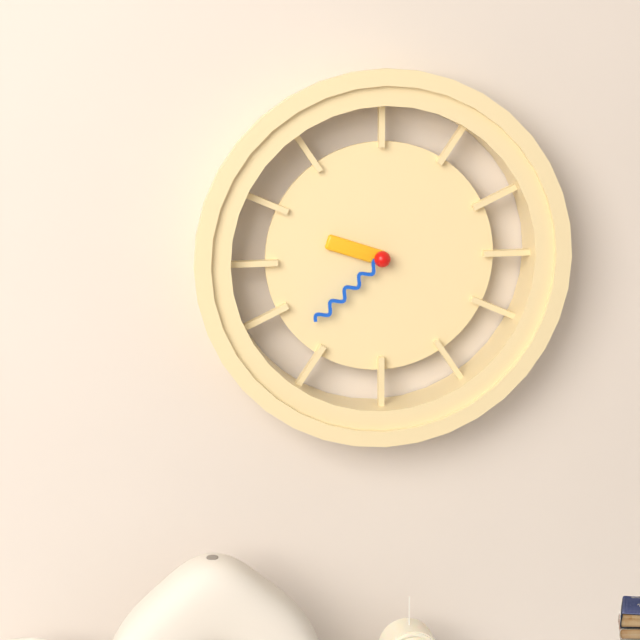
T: 9 h 38 min
